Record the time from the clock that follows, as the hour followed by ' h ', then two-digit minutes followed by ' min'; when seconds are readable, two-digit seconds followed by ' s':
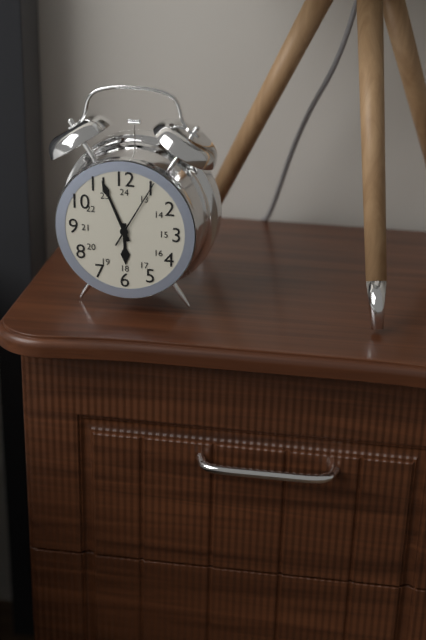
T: 5 h 56 min 05 s
